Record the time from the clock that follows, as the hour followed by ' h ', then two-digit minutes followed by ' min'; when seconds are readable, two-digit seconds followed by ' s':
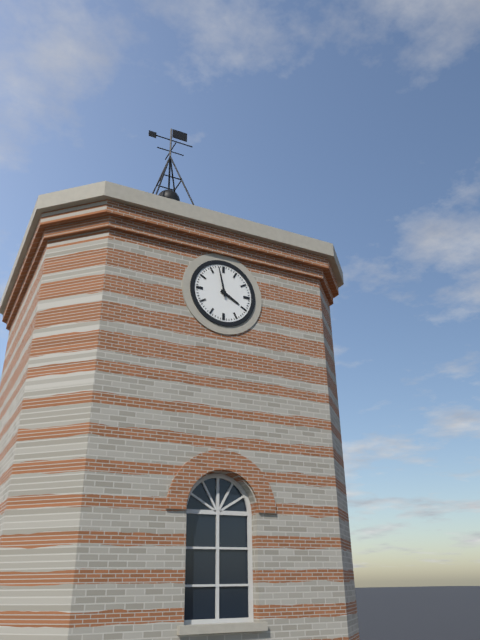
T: 3 h 58 min
